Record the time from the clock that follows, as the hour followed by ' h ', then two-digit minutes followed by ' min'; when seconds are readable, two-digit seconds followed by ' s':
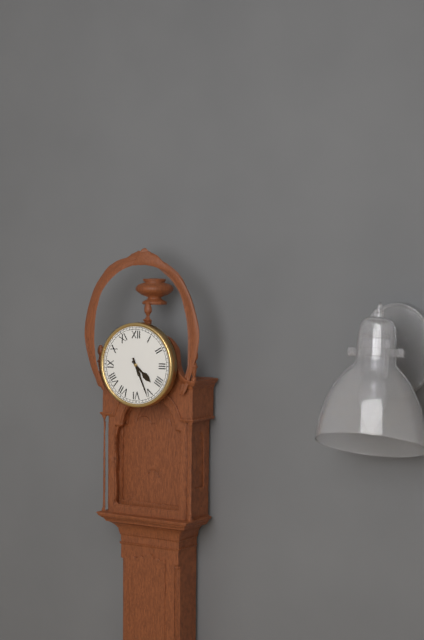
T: 4 h 26 min
